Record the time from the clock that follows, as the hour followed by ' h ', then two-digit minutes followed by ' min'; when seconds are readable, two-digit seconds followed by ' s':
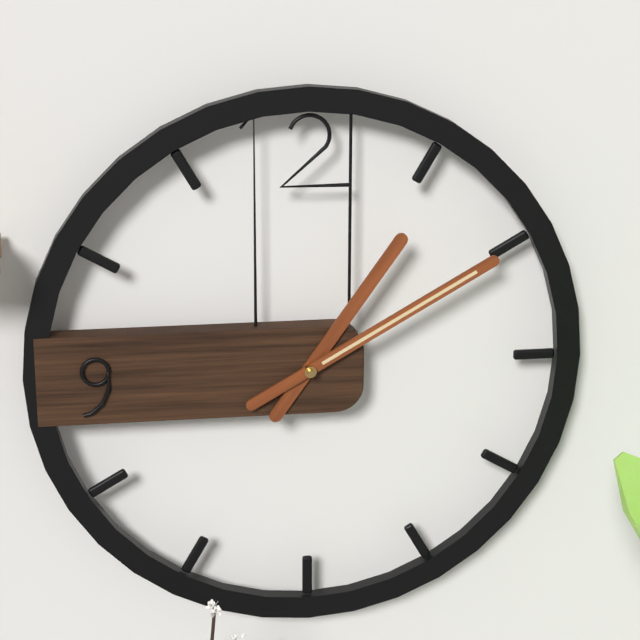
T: 1 h 10 min
